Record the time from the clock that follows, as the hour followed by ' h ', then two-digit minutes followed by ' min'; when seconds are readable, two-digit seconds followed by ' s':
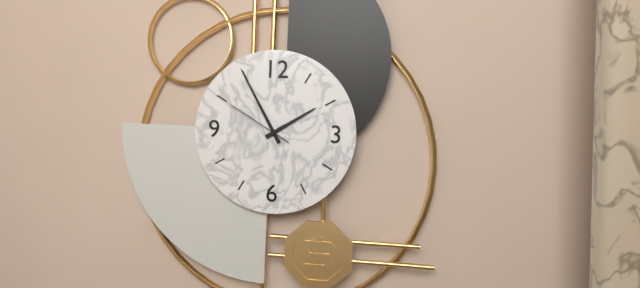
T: 1 h 55 min 50 s
